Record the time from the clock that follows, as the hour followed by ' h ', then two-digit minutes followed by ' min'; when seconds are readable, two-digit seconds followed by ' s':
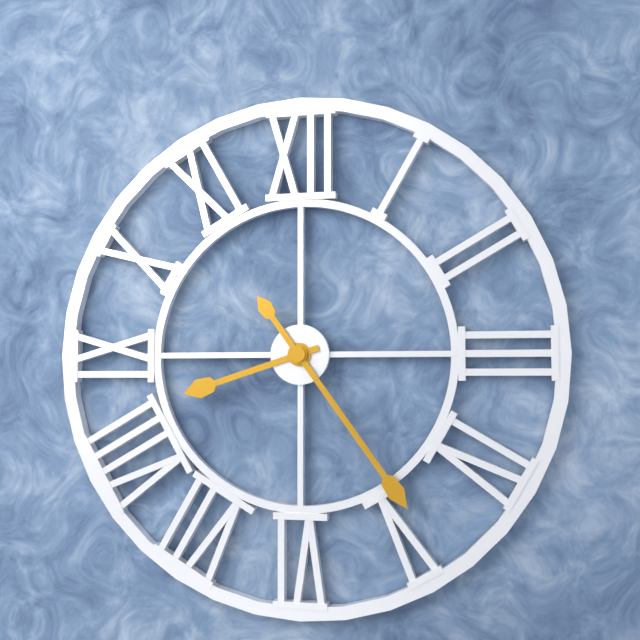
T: 8 h 24 min
